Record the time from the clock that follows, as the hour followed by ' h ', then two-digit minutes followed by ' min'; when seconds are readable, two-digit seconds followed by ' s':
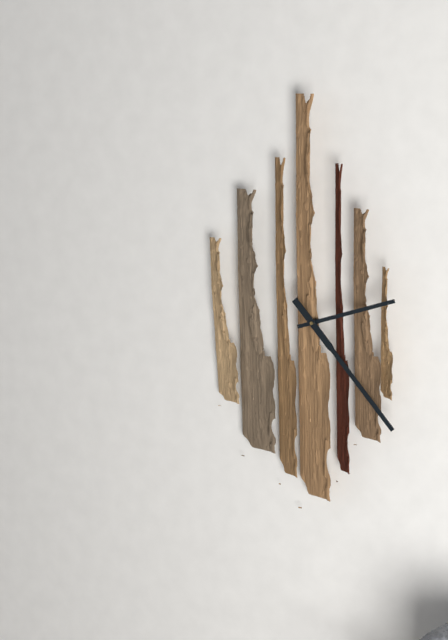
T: 2 h 23 min
